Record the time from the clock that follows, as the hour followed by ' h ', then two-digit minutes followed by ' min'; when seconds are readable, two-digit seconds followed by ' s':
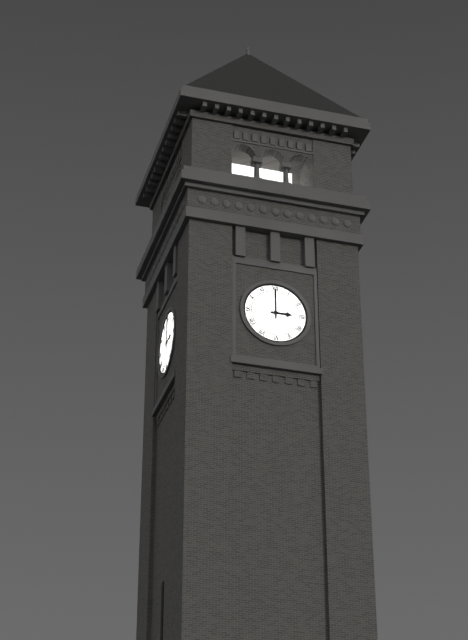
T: 3 h 00 min
